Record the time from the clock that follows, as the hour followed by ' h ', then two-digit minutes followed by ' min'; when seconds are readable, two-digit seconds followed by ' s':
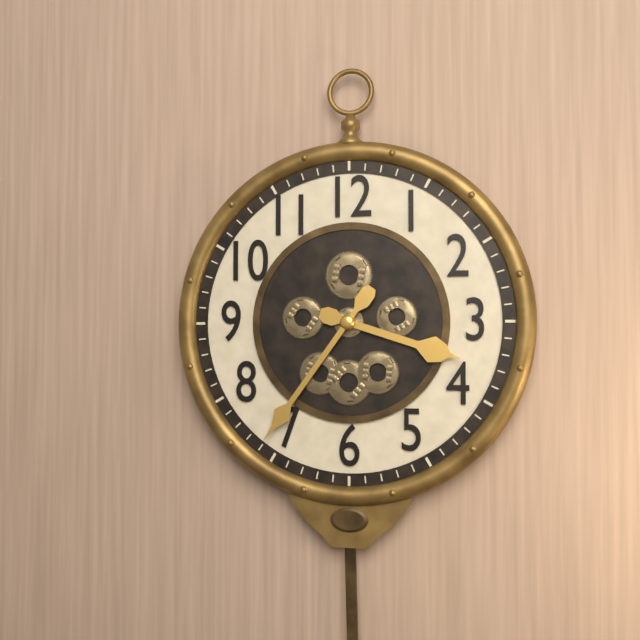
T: 3 h 36 min
